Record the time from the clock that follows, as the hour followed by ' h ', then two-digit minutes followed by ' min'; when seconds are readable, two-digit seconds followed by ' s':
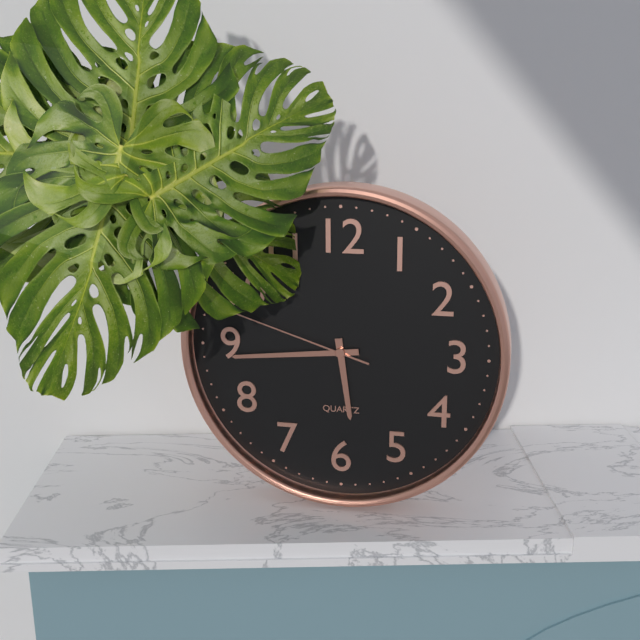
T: 5 h 44 min 48 s
